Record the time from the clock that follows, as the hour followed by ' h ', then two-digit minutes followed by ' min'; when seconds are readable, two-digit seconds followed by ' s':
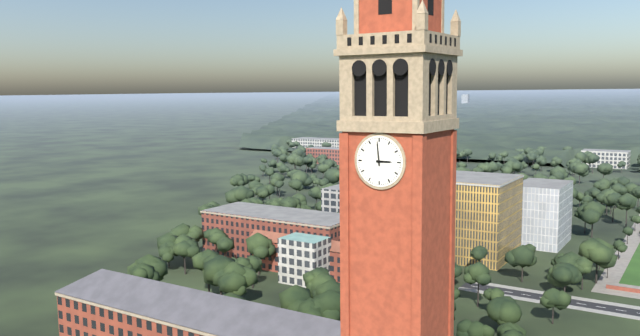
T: 2 h 59 min
